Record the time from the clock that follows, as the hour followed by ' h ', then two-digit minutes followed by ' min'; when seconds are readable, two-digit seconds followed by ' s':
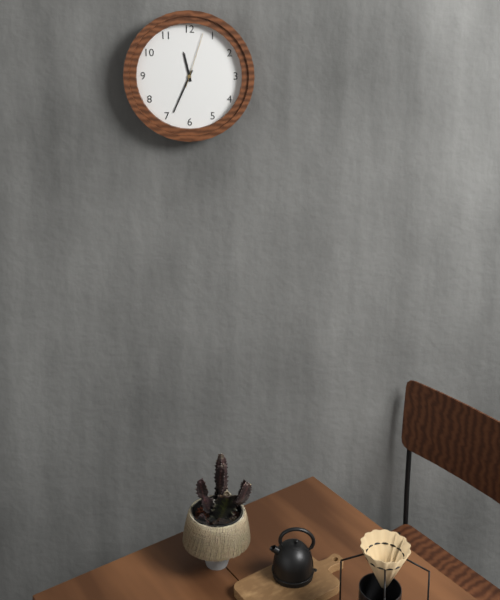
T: 11 h 34 min 03 s
